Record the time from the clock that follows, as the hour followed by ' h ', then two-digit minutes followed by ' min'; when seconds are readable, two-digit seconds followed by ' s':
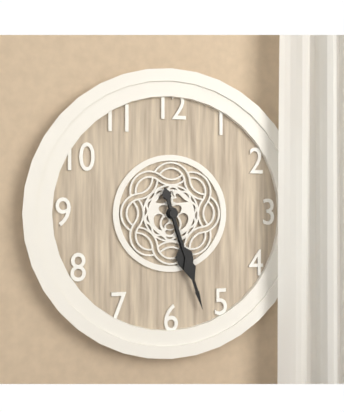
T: 5 h 27 min
